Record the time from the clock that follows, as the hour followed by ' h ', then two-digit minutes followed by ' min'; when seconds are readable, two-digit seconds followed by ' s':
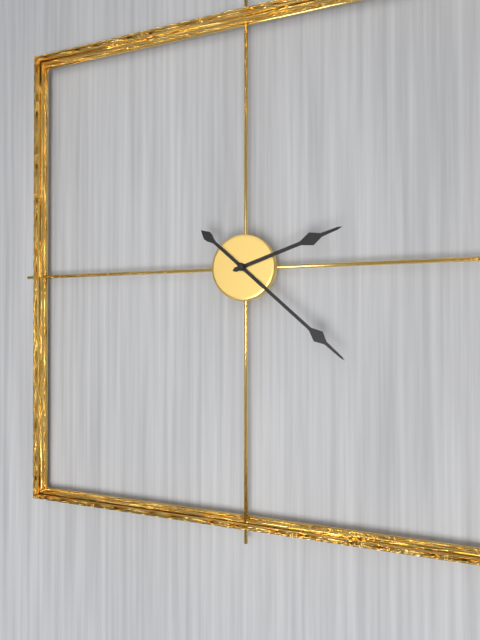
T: 2 h 22 min
